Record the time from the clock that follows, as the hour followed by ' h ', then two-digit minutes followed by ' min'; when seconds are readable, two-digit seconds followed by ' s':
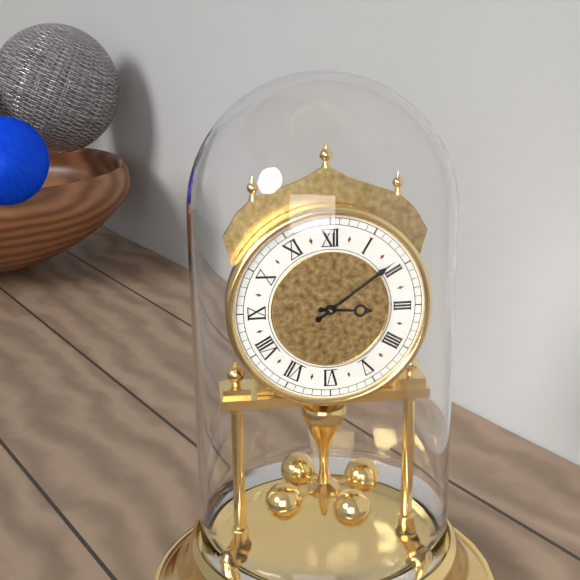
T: 3 h 09 min
